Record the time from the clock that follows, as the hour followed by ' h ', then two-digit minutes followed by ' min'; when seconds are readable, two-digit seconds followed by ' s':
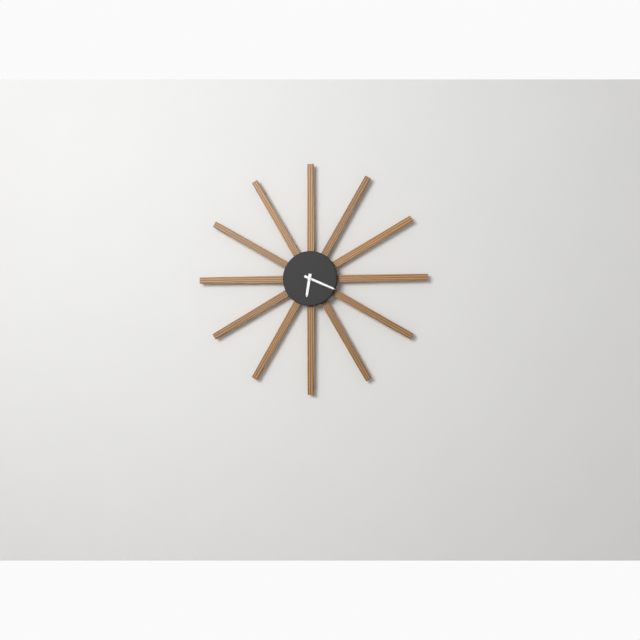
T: 6 h 19 min
